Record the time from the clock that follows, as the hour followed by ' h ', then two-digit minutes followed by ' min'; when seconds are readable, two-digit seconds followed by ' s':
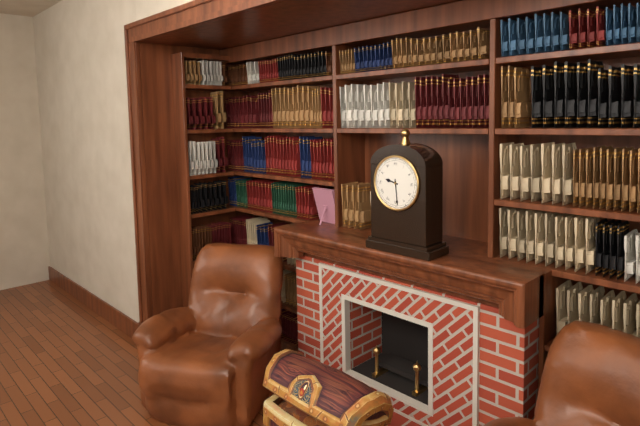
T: 9 h 29 min
